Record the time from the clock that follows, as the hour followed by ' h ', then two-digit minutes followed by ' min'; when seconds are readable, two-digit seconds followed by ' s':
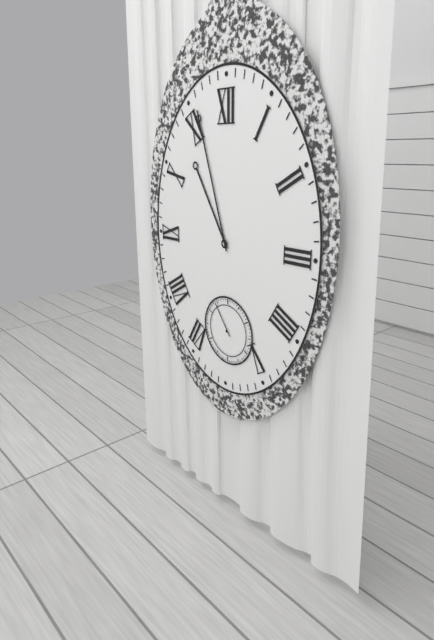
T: 10 h 57 min
